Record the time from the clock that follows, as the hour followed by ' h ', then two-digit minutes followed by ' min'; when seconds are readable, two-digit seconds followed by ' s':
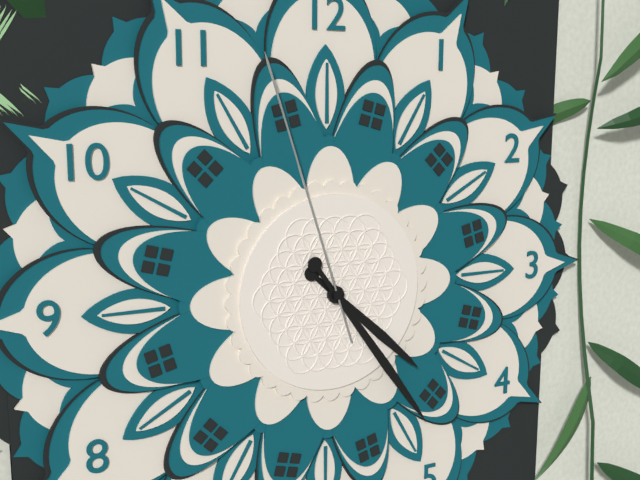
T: 4 h 24 min 57 s
